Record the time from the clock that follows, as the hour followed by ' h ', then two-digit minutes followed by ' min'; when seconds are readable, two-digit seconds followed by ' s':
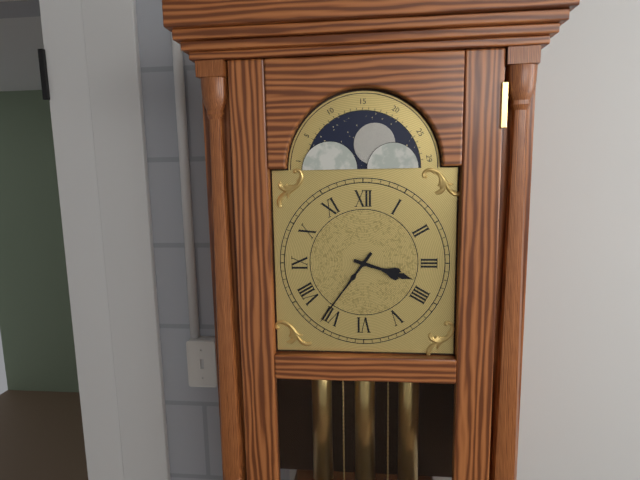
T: 3 h 36 min
